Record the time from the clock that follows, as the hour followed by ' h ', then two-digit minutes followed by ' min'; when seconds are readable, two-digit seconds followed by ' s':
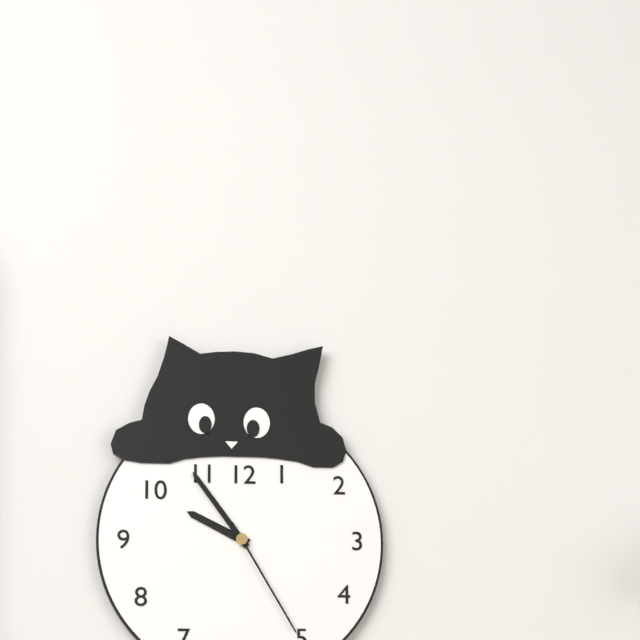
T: 9 h 54 min 25 s
